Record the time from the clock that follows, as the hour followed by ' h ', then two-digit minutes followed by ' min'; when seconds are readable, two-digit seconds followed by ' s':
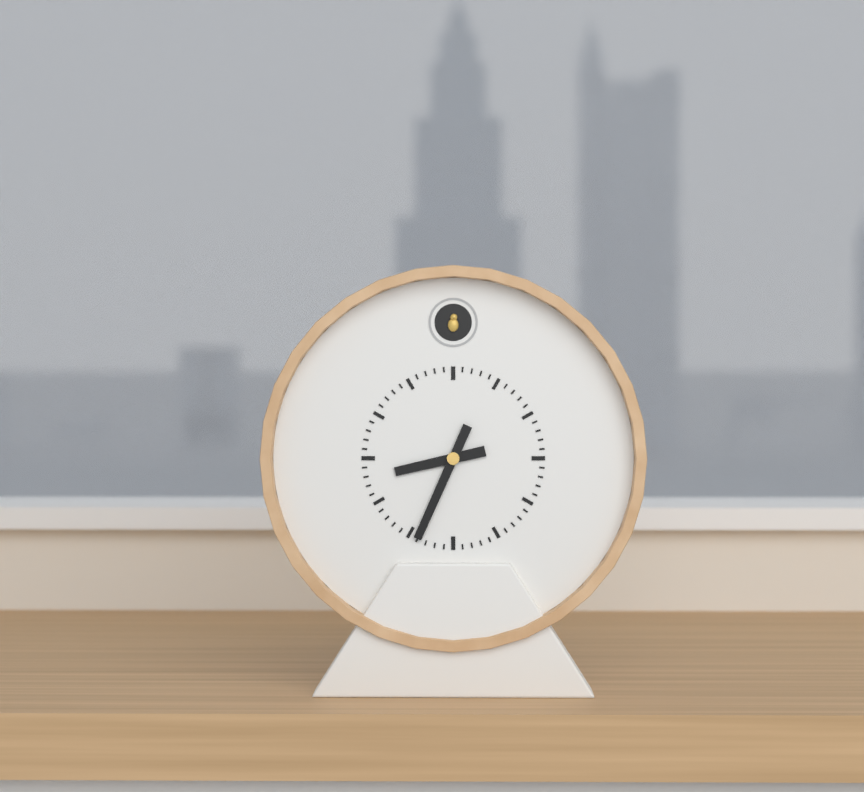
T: 8 h 34 min
